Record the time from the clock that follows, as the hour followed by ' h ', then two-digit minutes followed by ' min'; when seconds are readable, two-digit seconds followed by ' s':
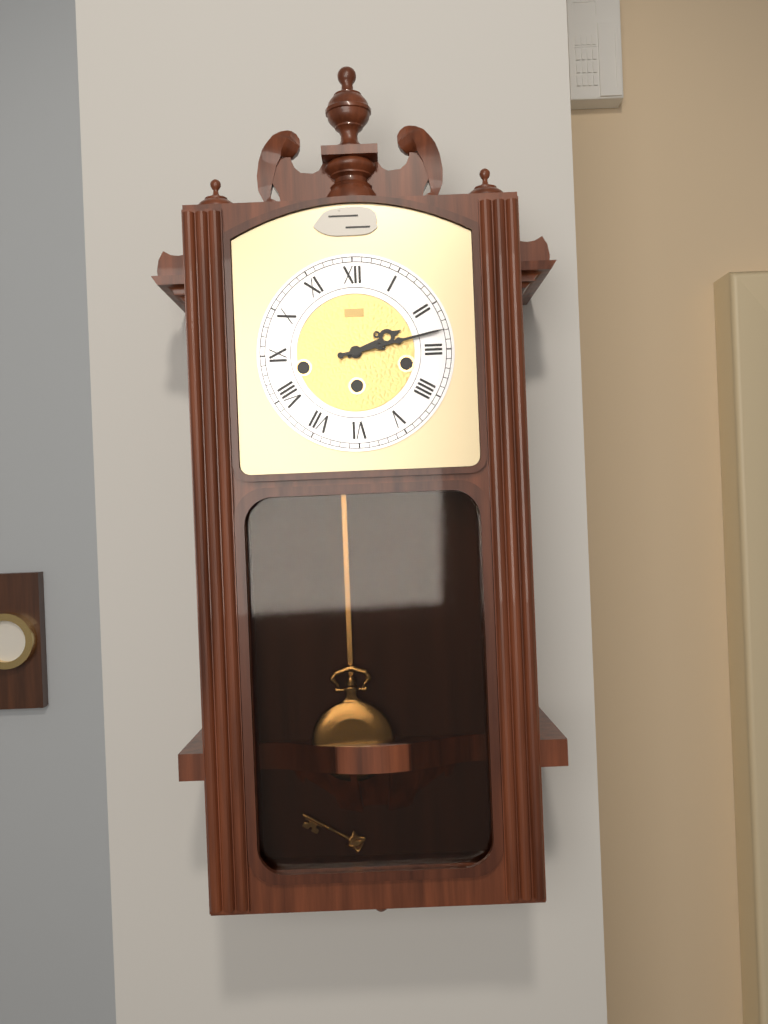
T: 2 h 13 min
